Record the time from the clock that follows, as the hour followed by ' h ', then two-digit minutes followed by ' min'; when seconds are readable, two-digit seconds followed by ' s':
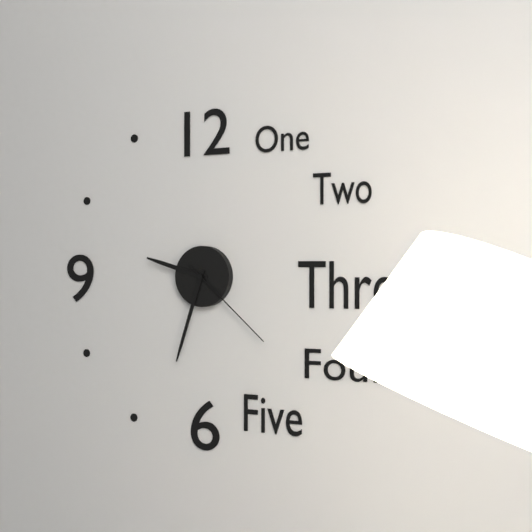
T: 9 h 33 min 22 s
